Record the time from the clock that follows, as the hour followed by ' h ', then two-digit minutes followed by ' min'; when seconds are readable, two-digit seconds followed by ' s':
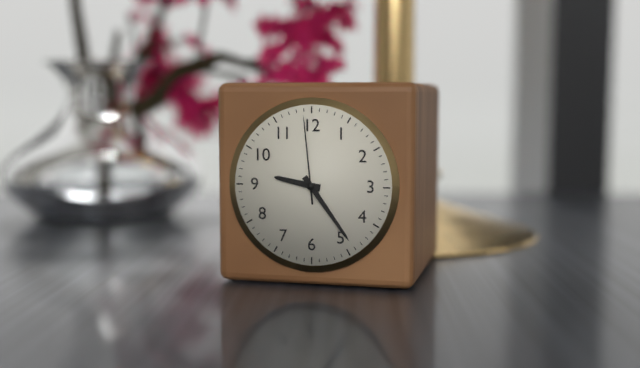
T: 9 h 24 min 59 s
